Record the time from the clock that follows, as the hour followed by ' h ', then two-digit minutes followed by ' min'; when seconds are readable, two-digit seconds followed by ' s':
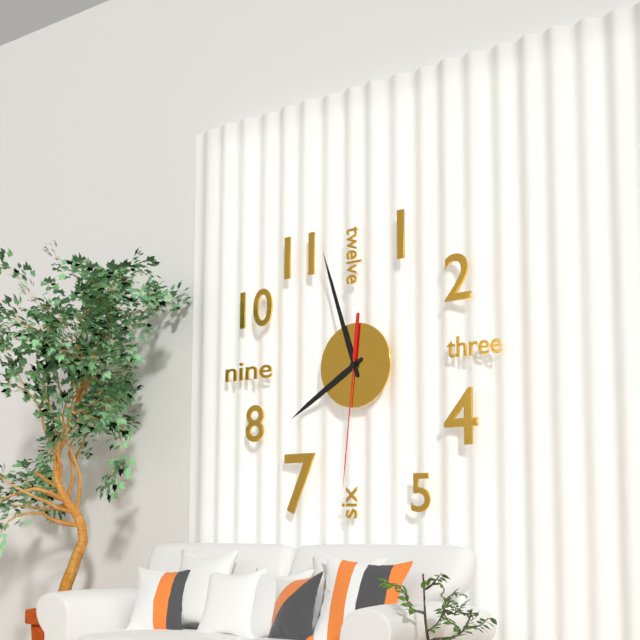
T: 7 h 57 min 31 s
